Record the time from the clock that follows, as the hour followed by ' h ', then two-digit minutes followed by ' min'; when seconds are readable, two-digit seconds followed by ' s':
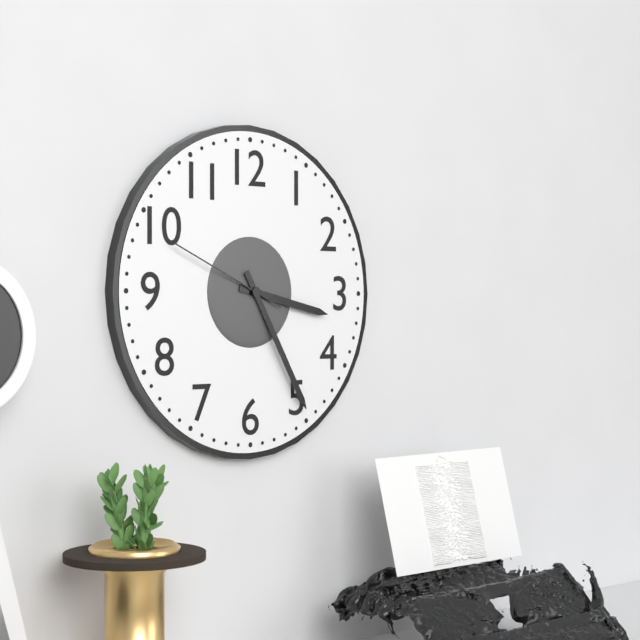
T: 3 h 25 min 49 s
